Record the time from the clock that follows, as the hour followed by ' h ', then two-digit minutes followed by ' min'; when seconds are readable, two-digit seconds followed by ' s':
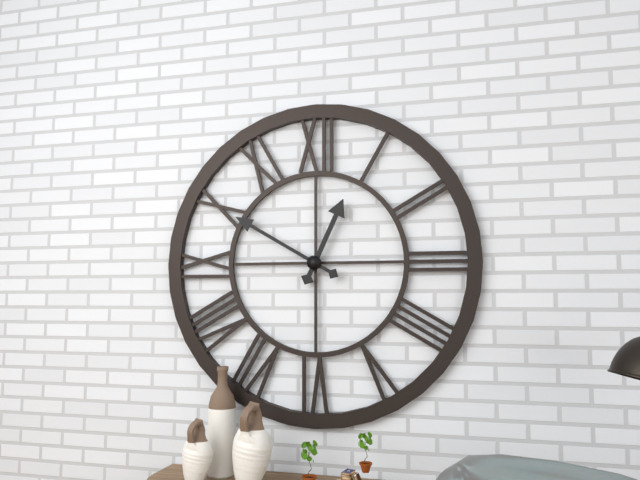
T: 12 h 50 min
